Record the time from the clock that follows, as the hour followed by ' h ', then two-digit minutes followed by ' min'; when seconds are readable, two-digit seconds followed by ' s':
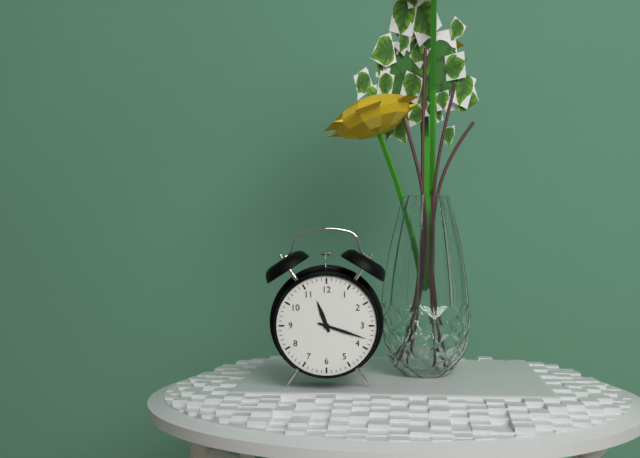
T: 11 h 18 min
